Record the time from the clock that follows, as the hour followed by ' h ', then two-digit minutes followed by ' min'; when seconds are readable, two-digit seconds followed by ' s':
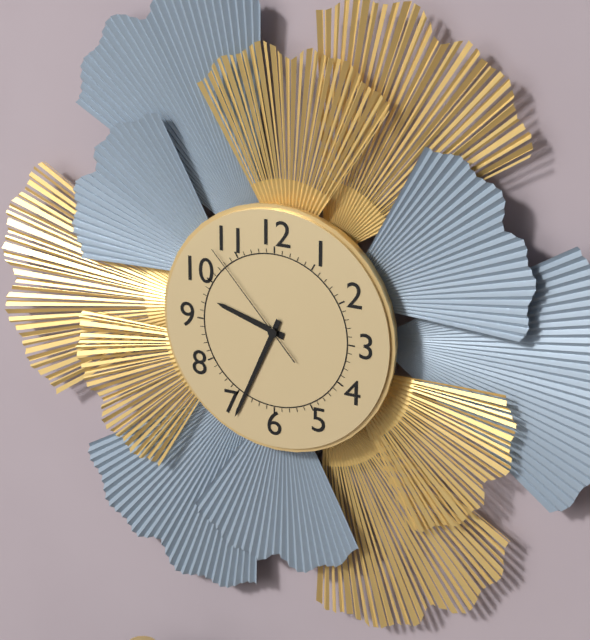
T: 9 h 34 min 53 s
